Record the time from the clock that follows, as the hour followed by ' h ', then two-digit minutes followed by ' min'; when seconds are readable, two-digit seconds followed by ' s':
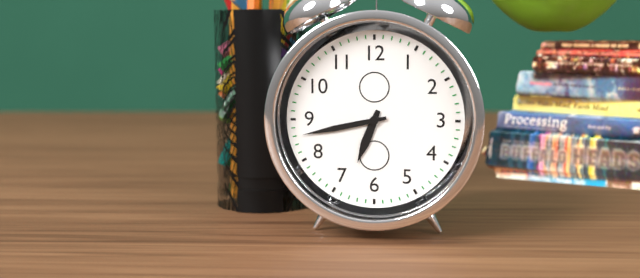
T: 6 h 43 min
